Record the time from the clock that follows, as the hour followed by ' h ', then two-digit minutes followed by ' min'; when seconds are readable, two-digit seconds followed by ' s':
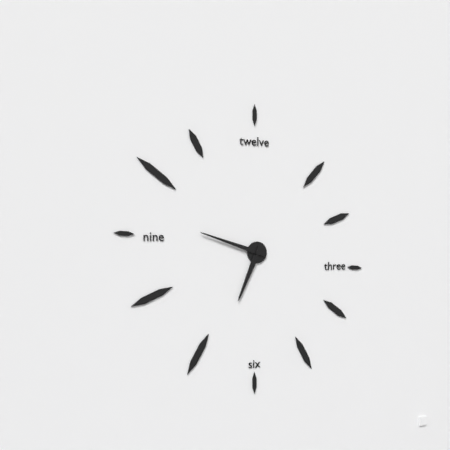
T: 6 h 48 min
